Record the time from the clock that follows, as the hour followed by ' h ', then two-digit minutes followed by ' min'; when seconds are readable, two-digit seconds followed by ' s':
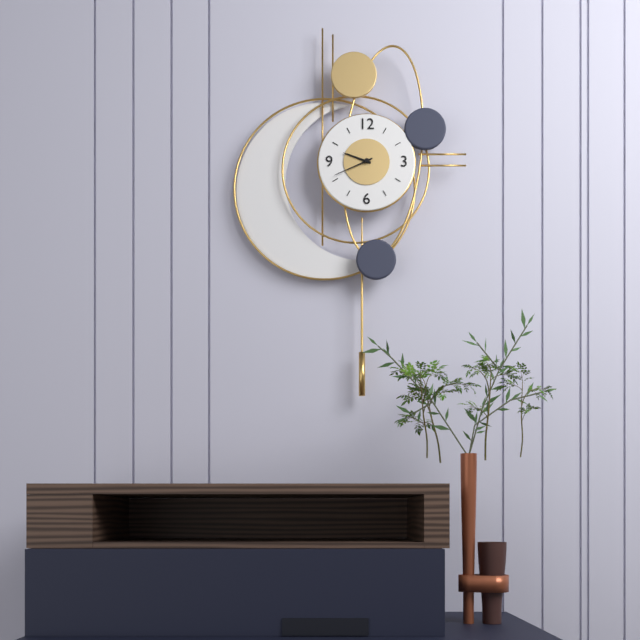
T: 9 h 41 min
